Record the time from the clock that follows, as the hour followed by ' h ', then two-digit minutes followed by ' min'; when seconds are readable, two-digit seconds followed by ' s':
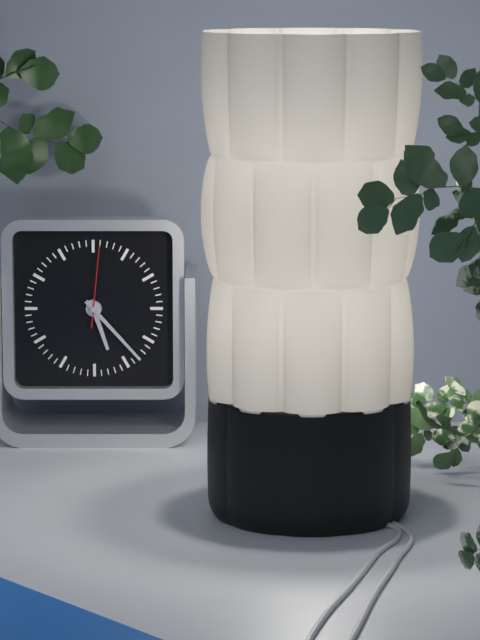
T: 5 h 23 min 01 s
